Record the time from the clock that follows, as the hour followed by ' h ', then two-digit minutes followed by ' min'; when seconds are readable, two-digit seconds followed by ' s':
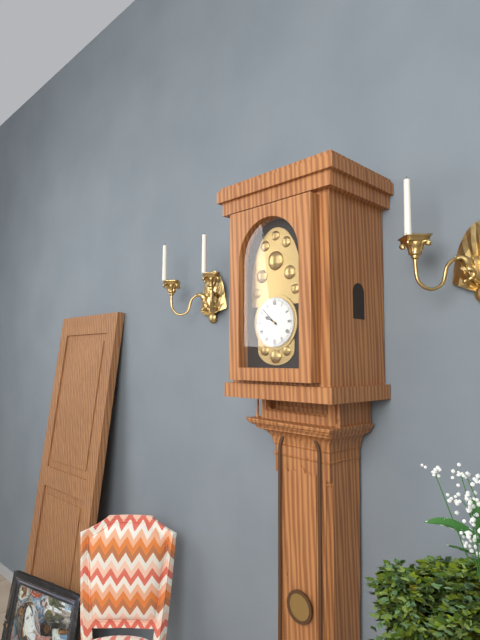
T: 9 h 52 min
